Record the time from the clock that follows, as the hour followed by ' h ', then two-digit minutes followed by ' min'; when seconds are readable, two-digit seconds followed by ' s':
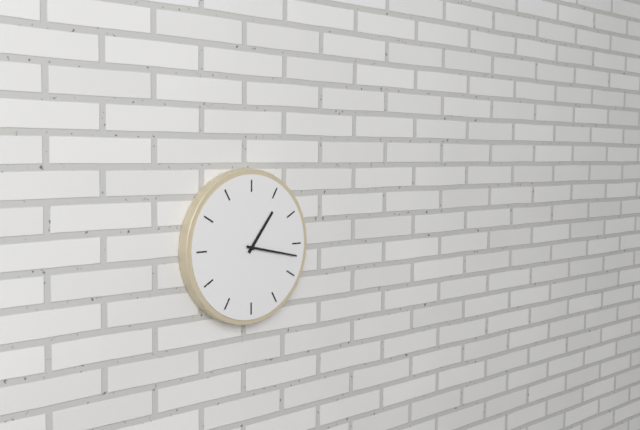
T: 1 h 17 min
